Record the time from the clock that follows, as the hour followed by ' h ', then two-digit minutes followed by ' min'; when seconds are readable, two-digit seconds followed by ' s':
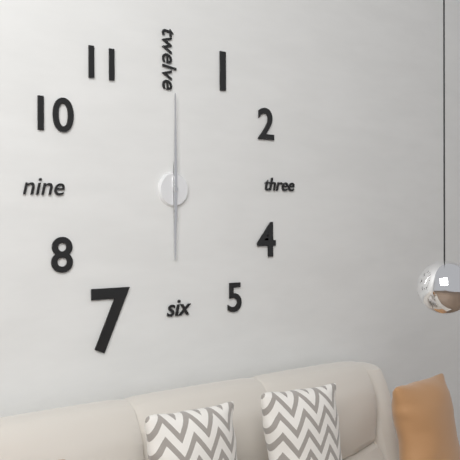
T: 6 h 00 min
